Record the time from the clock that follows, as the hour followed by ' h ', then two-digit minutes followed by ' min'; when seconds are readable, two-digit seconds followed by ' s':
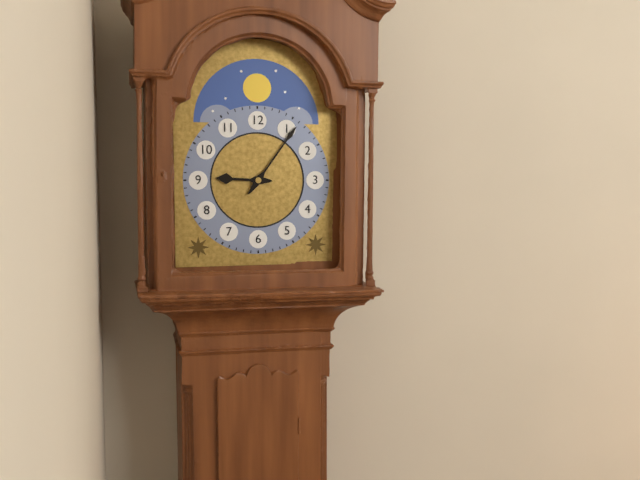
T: 9 h 06 min
